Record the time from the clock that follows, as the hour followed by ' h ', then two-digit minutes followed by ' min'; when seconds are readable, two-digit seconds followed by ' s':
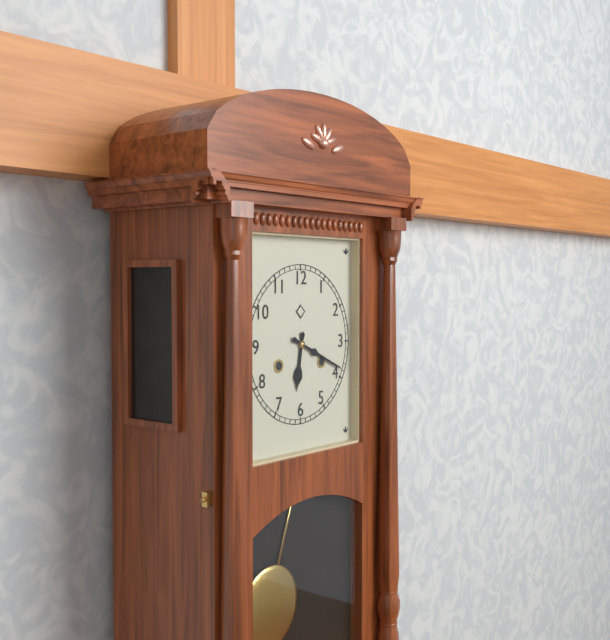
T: 6 h 19 min
